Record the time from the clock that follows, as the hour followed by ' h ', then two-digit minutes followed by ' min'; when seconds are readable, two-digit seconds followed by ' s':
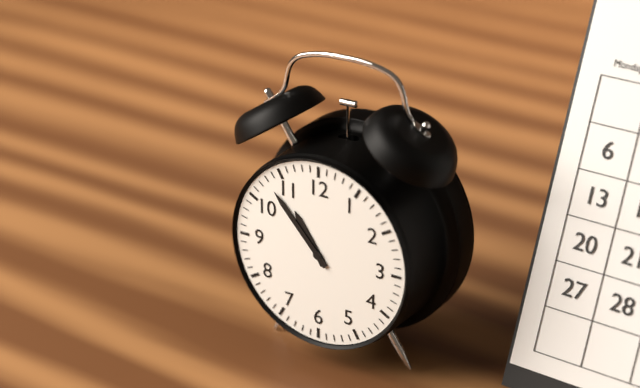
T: 10 h 53 min
